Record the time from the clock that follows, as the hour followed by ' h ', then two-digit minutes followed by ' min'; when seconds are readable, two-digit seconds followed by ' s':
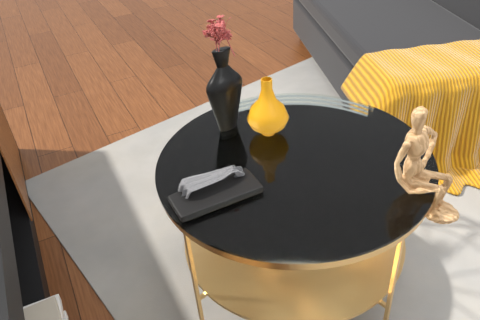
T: 12 h 58 min
